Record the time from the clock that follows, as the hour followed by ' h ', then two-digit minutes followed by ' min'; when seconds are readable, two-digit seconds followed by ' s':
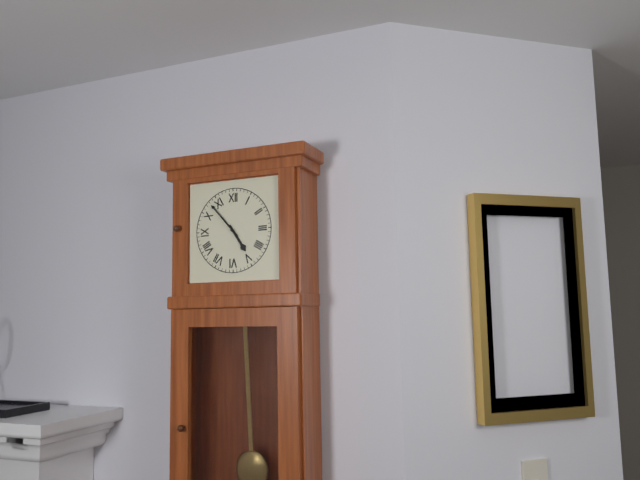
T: 4 h 53 min
